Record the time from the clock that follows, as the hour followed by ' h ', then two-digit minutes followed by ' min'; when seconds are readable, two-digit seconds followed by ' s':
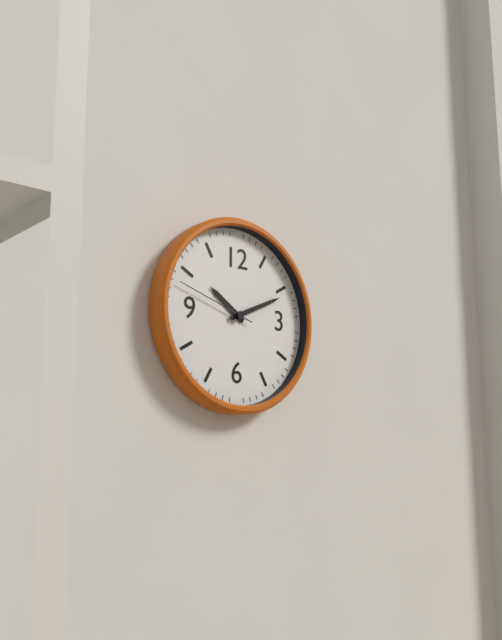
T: 10 h 11 min 48 s
